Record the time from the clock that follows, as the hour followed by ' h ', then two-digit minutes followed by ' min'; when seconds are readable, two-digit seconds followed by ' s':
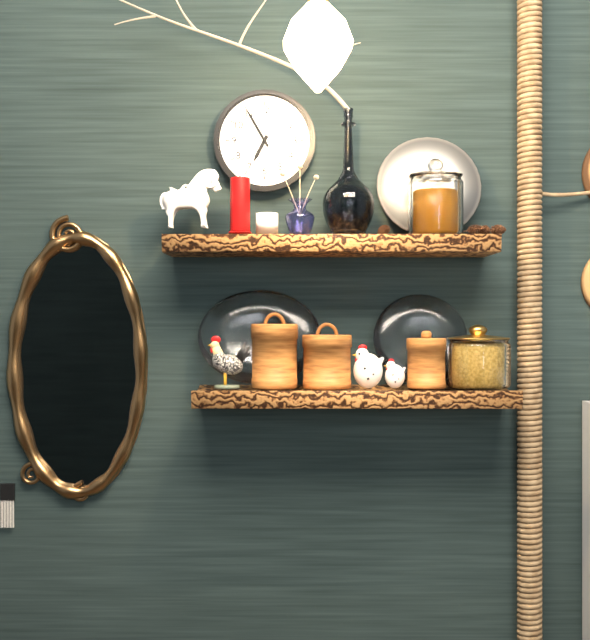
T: 6 h 55 min
